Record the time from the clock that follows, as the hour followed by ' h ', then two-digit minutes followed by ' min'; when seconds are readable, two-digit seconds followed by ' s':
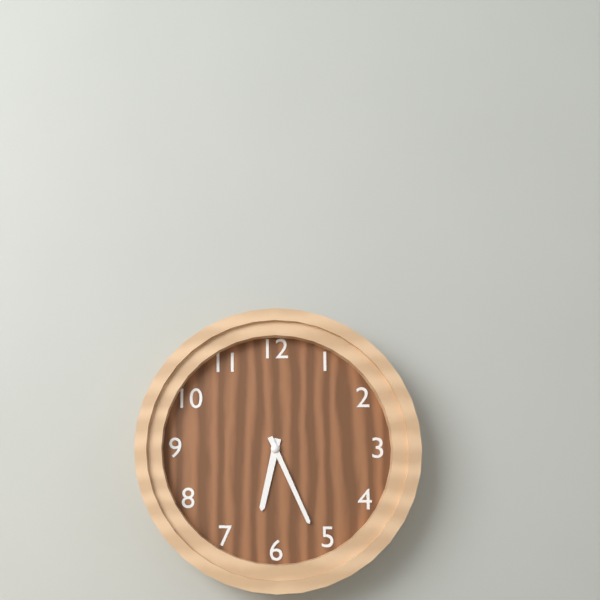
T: 6 h 26 min
